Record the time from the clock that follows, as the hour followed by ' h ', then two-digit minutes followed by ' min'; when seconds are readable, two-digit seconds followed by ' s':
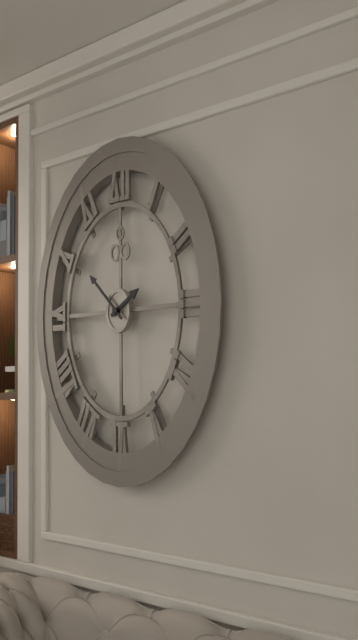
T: 1 h 53 min
